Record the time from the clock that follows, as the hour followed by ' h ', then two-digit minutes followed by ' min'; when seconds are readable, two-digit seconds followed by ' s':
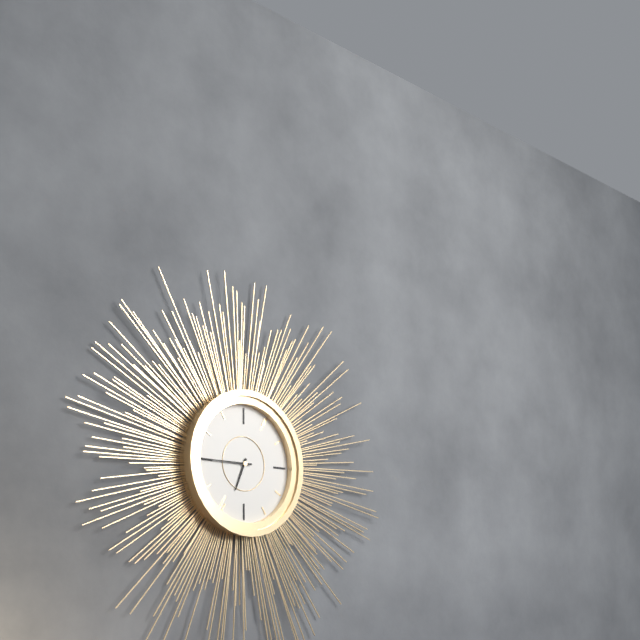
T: 6 h 45 min
